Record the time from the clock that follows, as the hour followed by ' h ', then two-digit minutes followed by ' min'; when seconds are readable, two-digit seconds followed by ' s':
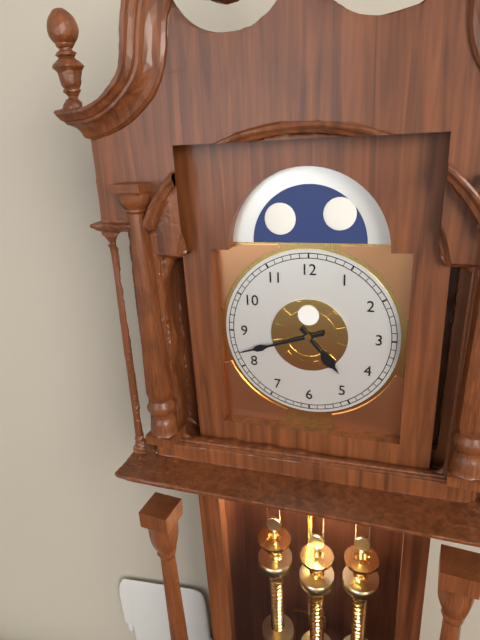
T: 4 h 42 min
